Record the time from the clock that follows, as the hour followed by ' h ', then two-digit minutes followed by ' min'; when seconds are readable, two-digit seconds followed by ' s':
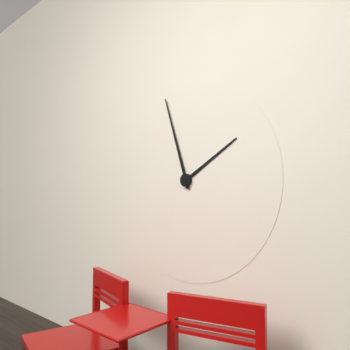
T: 1 h 57 min
